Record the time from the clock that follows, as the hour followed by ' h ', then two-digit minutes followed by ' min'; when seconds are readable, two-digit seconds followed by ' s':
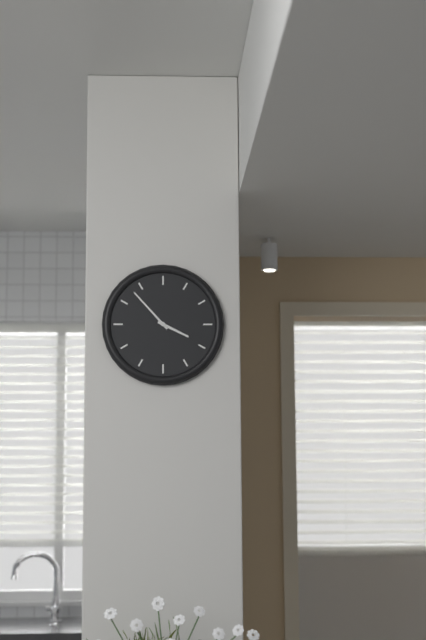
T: 3 h 53 min
